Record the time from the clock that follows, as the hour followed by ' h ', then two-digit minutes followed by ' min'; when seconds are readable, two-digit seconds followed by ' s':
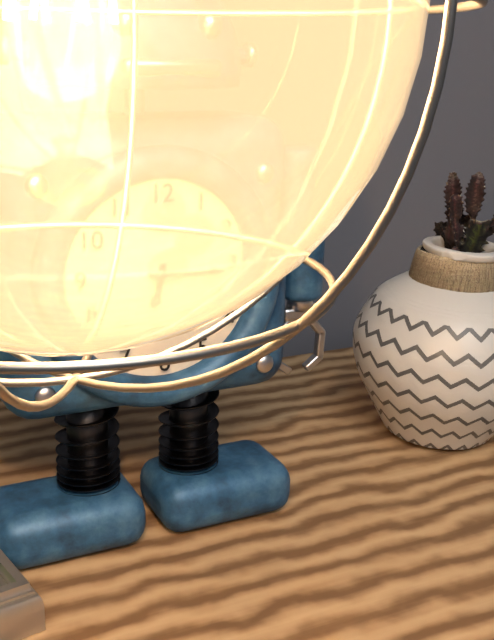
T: 6 h 16 min
